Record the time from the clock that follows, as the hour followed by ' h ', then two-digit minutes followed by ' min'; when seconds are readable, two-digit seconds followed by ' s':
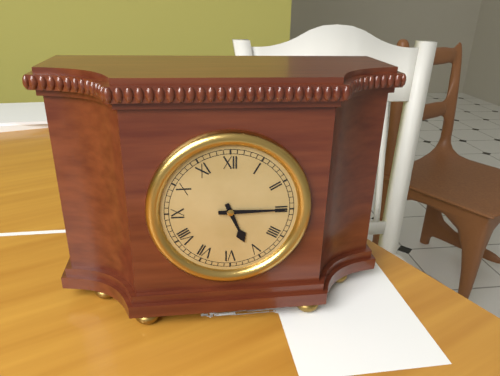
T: 5 h 15 min
